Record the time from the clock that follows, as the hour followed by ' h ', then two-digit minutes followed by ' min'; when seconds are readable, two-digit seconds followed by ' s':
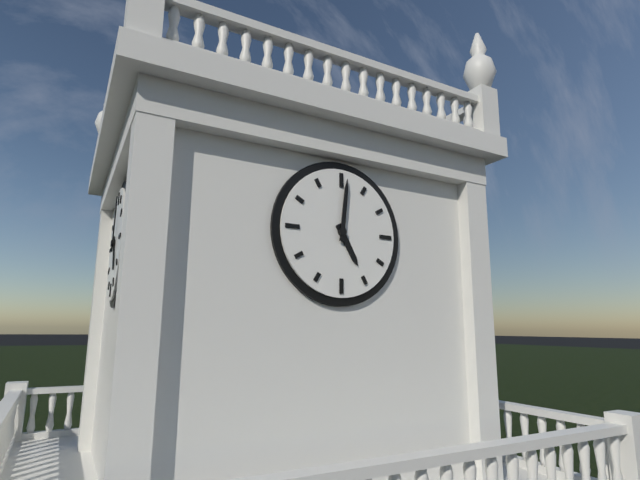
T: 5 h 01 min
